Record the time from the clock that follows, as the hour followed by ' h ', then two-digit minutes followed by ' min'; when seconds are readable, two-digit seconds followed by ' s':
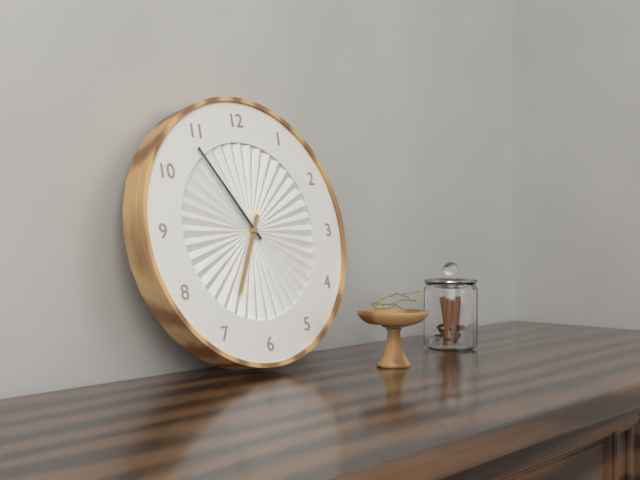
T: 6 h 54 min
